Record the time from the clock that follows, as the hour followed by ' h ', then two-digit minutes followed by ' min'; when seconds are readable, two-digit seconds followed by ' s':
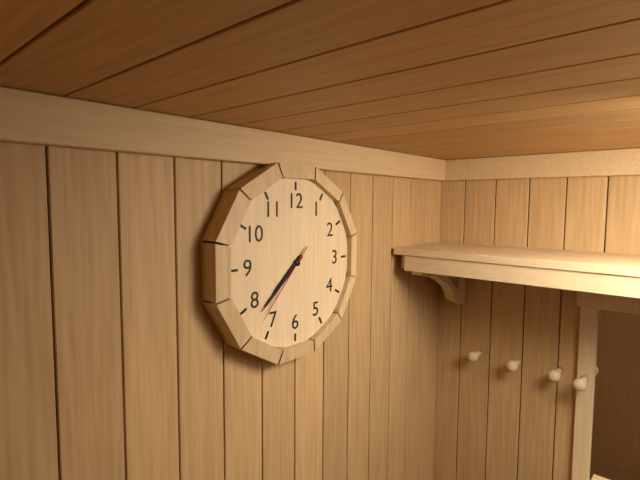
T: 7 h 38 min 37 s
